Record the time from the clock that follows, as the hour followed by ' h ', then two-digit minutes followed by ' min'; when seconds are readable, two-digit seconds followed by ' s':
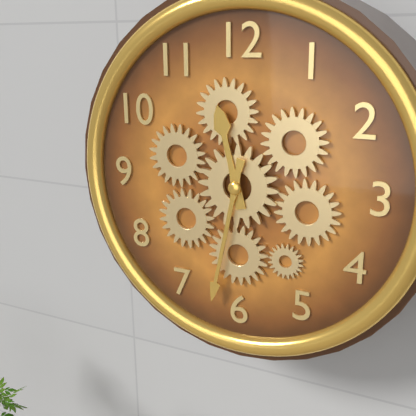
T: 11 h 32 min
